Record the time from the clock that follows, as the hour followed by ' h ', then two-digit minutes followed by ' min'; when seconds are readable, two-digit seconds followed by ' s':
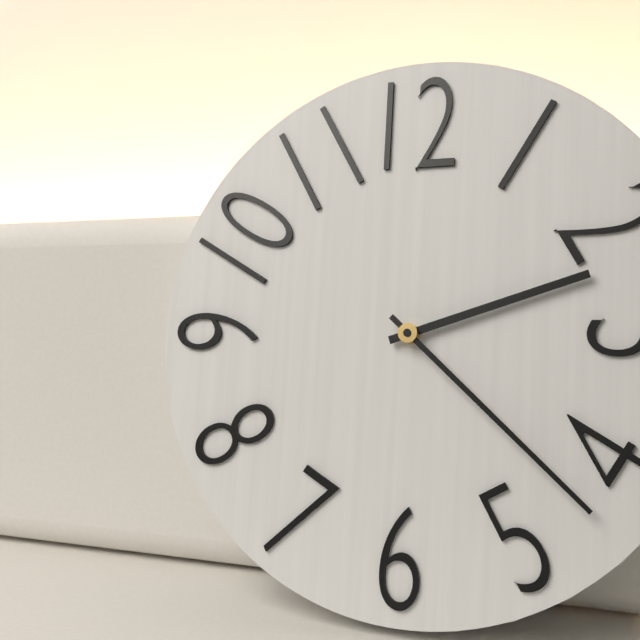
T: 2 h 22 min
